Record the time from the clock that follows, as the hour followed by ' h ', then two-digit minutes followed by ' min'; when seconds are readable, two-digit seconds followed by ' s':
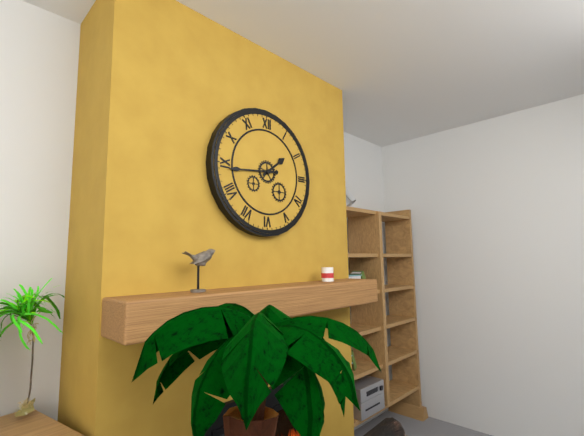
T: 1 h 44 min
